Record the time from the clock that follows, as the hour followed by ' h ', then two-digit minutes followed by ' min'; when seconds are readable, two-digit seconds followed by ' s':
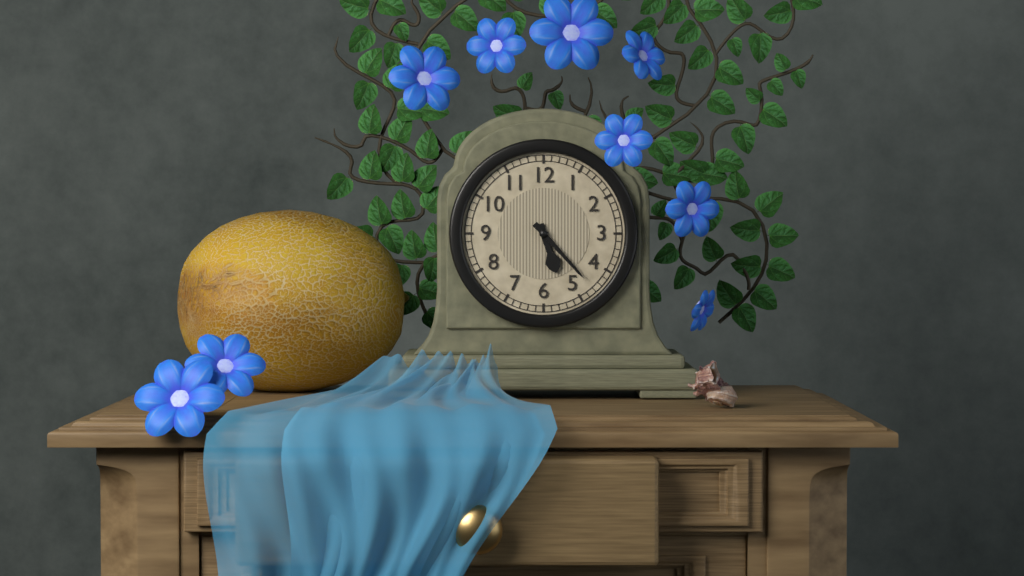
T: 5 h 23 min
